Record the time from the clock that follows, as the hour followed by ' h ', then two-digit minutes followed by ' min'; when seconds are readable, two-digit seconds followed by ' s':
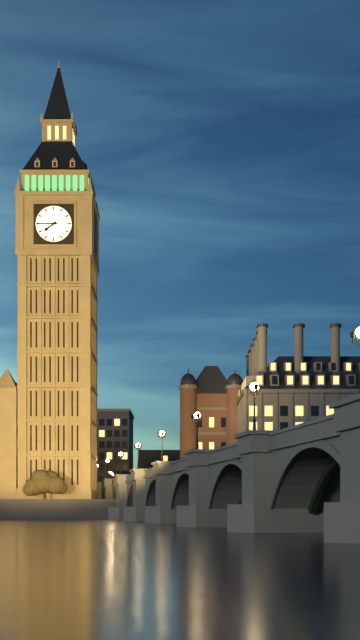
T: 7 h 45 min
